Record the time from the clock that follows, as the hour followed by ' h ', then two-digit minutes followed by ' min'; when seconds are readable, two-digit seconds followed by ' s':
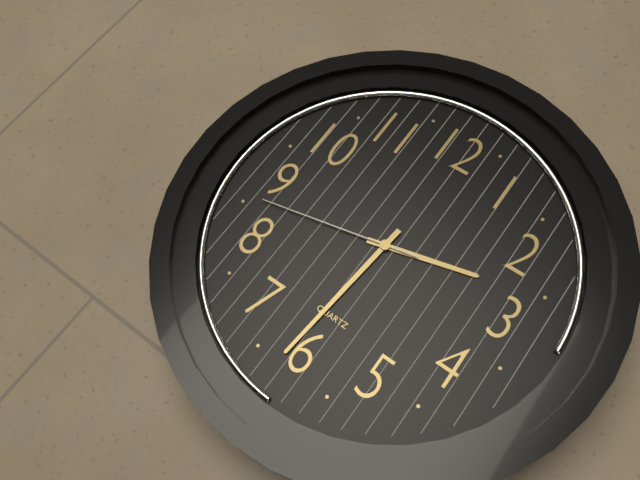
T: 2 h 31 min 43 s
